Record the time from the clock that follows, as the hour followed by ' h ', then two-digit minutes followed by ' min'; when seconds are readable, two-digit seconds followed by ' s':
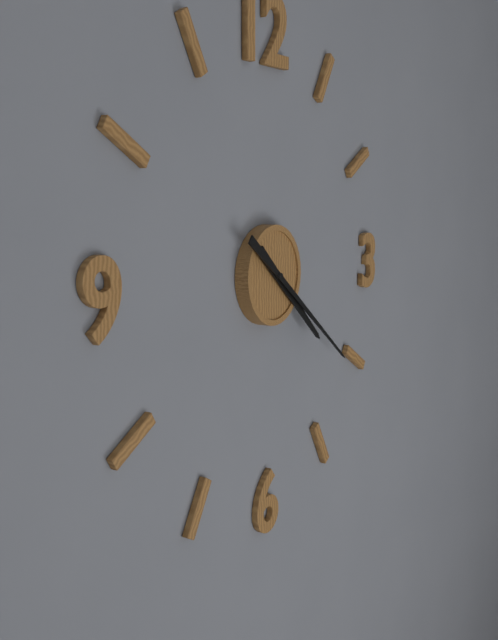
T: 4 h 21 min
